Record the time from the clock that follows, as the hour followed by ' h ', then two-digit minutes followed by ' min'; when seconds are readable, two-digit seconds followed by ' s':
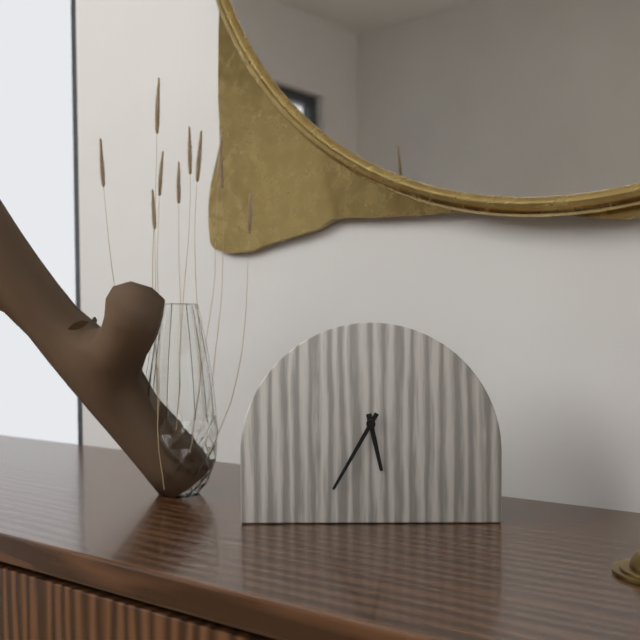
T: 5 h 35 min
